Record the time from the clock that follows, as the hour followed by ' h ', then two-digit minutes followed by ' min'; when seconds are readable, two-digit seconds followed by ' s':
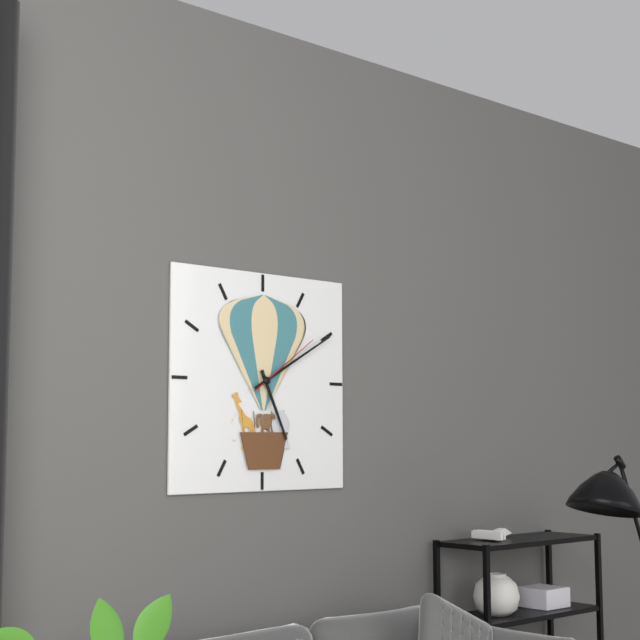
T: 5 h 10 min 09 s
